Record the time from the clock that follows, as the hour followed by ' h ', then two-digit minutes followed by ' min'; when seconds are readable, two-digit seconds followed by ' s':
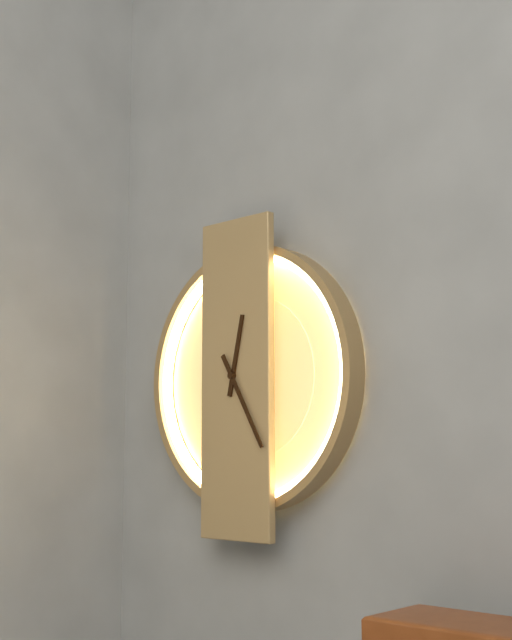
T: 12 h 25 min
